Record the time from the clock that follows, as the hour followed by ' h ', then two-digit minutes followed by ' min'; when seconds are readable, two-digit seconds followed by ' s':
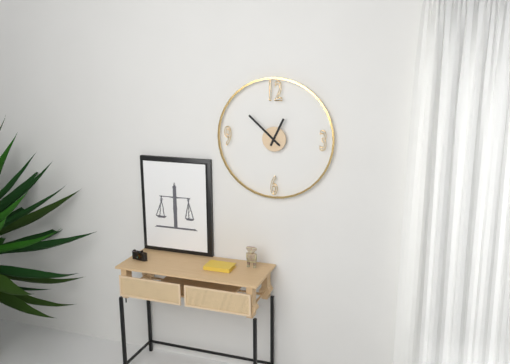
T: 12 h 52 min
